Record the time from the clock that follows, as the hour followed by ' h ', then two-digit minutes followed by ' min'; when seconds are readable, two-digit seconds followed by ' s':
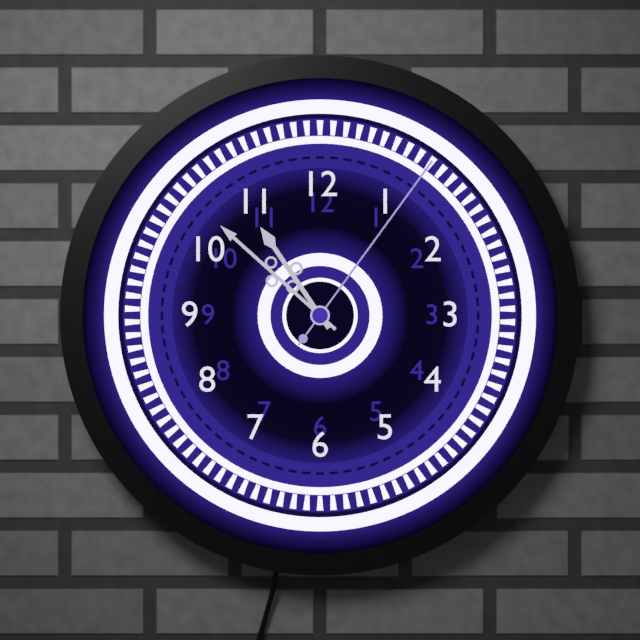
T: 10 h 52 min 06 s
